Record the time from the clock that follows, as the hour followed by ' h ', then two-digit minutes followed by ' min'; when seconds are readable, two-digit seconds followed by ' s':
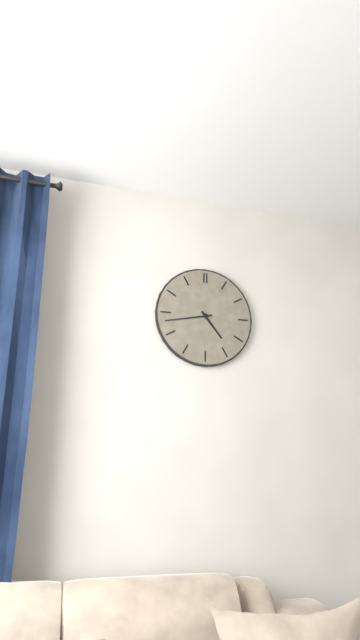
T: 4 h 43 min
